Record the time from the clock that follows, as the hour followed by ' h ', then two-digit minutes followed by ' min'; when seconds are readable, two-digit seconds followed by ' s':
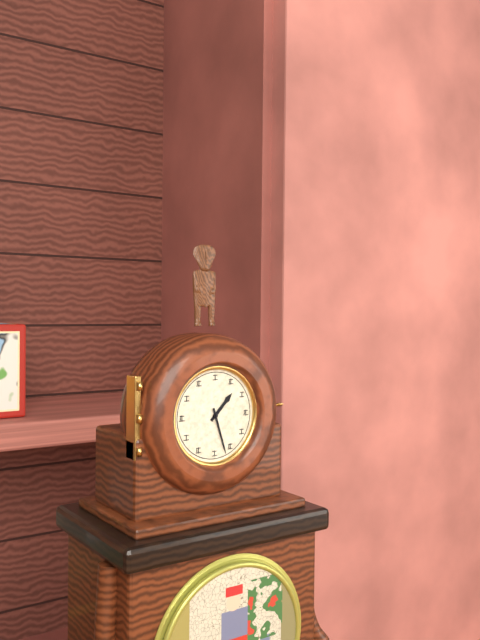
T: 1 h 27 min
